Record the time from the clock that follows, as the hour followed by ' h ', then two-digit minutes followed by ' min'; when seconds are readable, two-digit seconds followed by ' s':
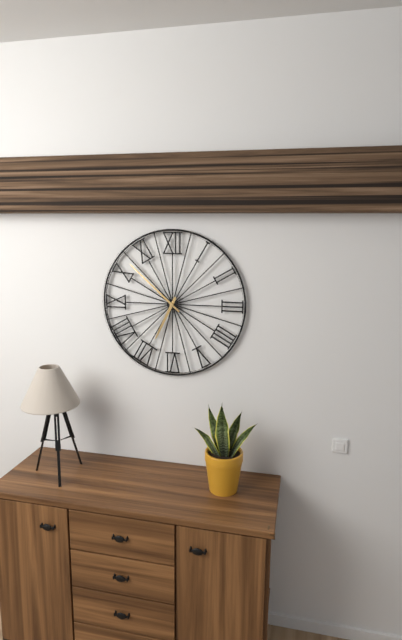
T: 6 h 52 min
